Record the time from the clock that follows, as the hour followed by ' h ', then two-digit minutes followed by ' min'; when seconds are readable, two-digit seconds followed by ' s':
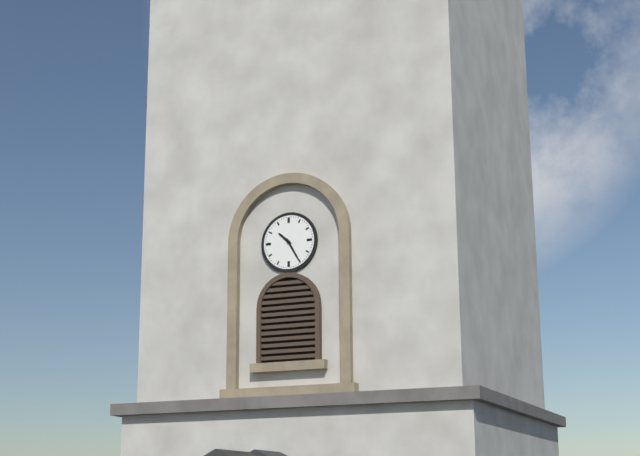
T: 10 h 25 min
